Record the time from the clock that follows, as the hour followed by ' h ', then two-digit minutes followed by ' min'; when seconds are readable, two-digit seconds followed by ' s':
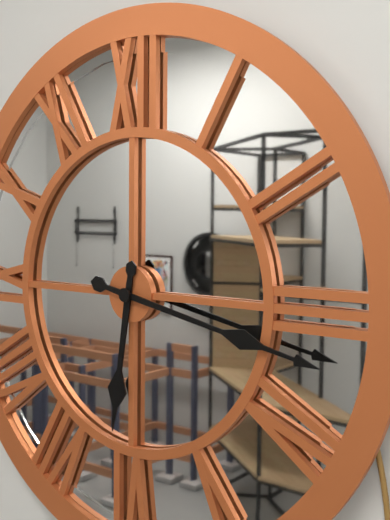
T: 6 h 17 min
